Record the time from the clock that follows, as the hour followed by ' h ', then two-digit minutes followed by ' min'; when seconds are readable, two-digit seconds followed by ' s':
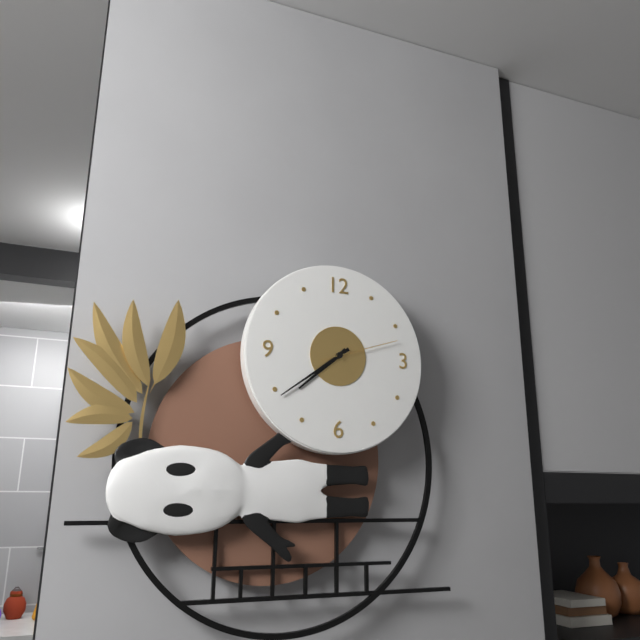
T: 7 h 39 min 12 s
